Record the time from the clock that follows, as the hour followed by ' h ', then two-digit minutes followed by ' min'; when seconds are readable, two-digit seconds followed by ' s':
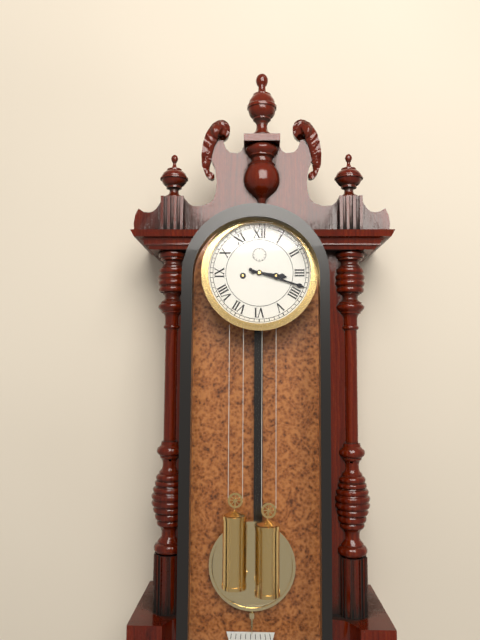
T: 3 h 18 min
